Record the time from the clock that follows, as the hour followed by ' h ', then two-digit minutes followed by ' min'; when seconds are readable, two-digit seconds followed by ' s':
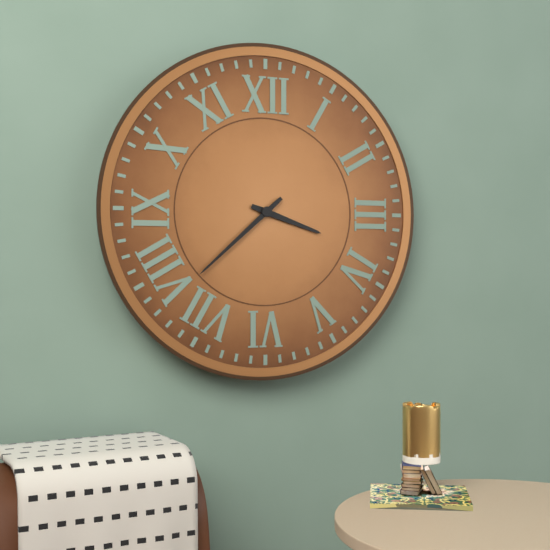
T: 3 h 38 min
